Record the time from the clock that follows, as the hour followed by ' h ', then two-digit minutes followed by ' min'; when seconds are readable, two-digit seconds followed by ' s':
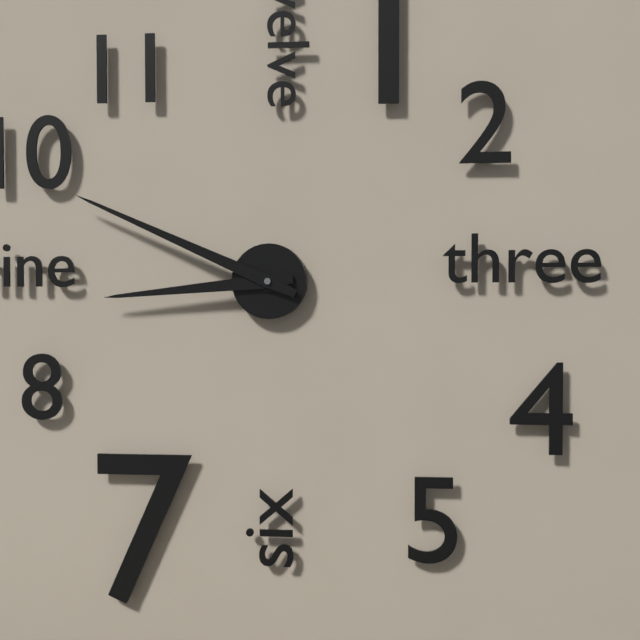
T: 8 h 49 min
